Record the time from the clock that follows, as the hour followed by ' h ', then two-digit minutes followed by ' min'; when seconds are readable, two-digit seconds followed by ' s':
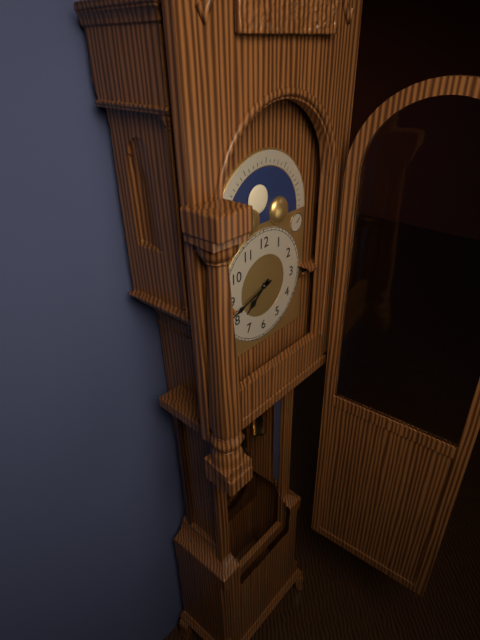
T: 7 h 42 min
